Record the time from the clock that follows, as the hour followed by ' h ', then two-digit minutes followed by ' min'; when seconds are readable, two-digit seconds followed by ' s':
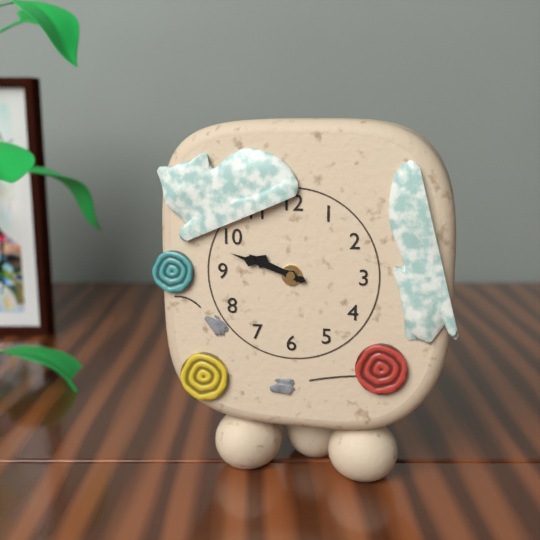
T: 9 h 48 min
